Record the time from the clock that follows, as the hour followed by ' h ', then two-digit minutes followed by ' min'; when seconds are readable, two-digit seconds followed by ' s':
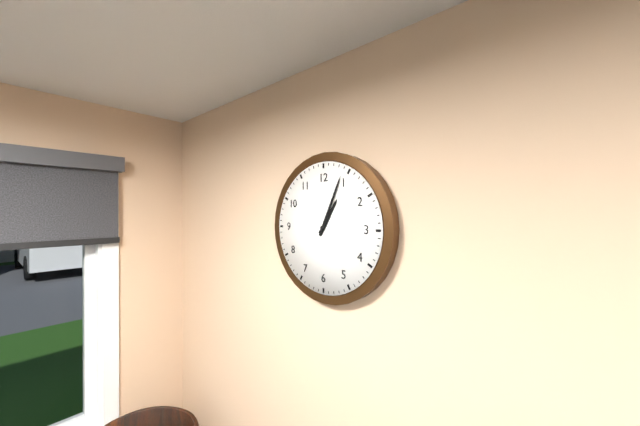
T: 1 h 04 min
